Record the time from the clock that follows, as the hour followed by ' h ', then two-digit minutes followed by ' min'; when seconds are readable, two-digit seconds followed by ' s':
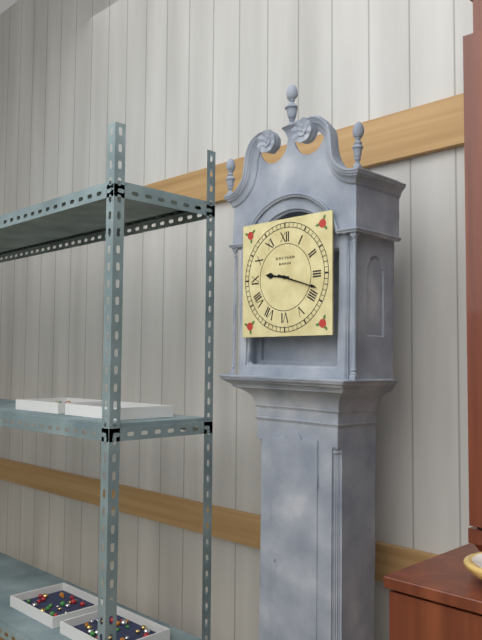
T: 9 h 18 min
